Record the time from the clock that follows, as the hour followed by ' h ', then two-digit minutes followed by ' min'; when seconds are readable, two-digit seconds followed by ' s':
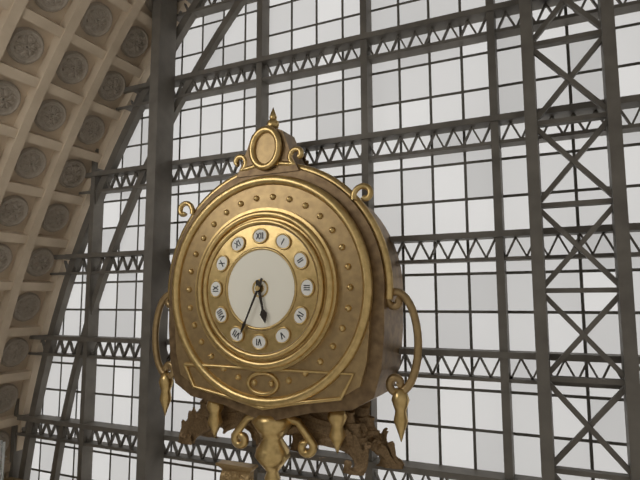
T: 5 h 34 min
